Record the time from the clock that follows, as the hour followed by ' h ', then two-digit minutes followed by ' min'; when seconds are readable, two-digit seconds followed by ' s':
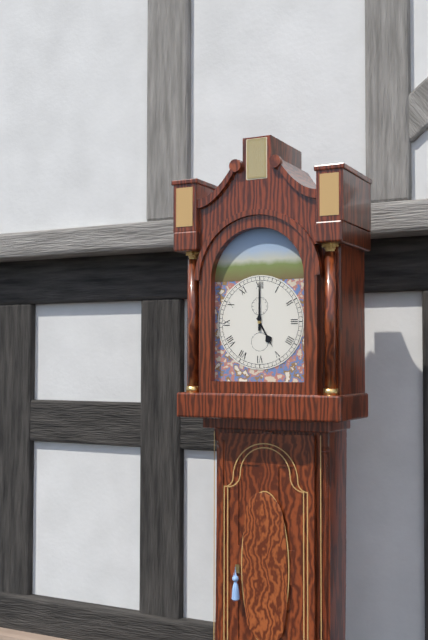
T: 5 h 00 min
